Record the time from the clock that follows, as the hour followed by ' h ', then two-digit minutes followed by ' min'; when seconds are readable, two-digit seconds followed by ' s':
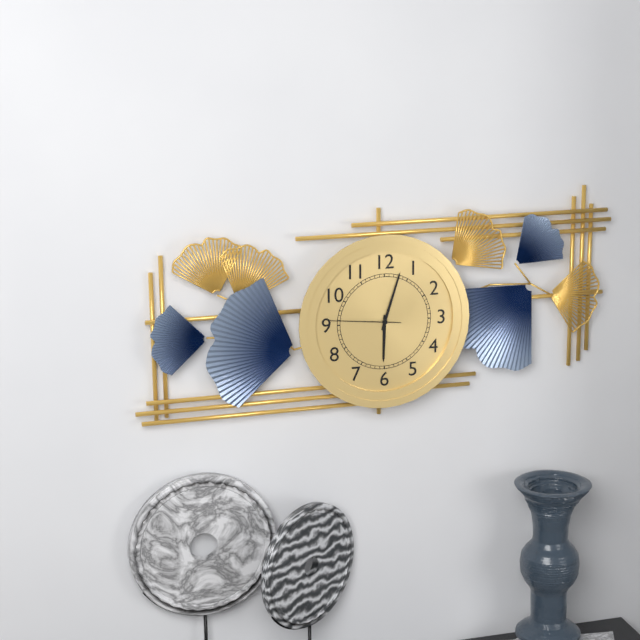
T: 6 h 03 min 46 s
